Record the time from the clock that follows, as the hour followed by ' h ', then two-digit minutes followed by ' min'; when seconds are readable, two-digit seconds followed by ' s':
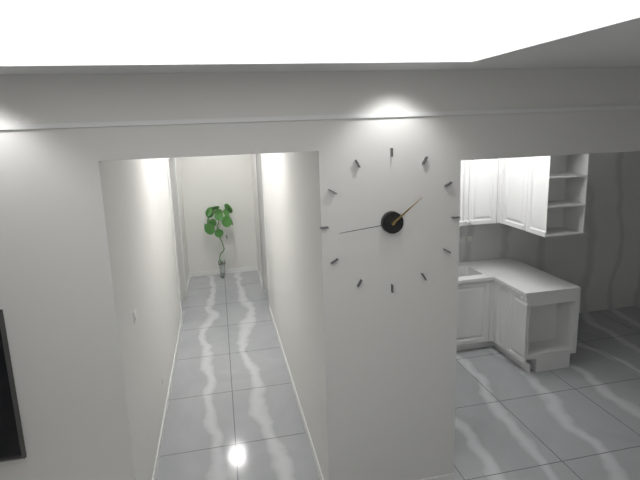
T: 1 h 44 min
